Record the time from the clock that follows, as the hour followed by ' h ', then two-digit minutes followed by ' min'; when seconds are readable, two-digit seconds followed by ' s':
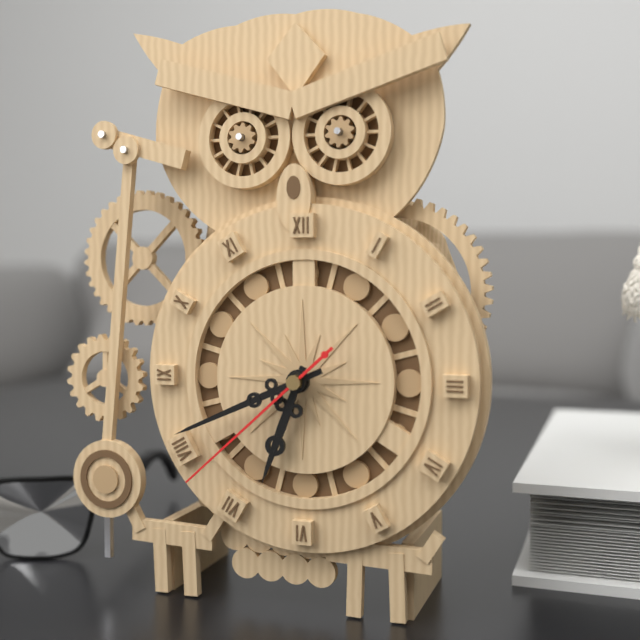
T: 6 h 41 min 38 s
